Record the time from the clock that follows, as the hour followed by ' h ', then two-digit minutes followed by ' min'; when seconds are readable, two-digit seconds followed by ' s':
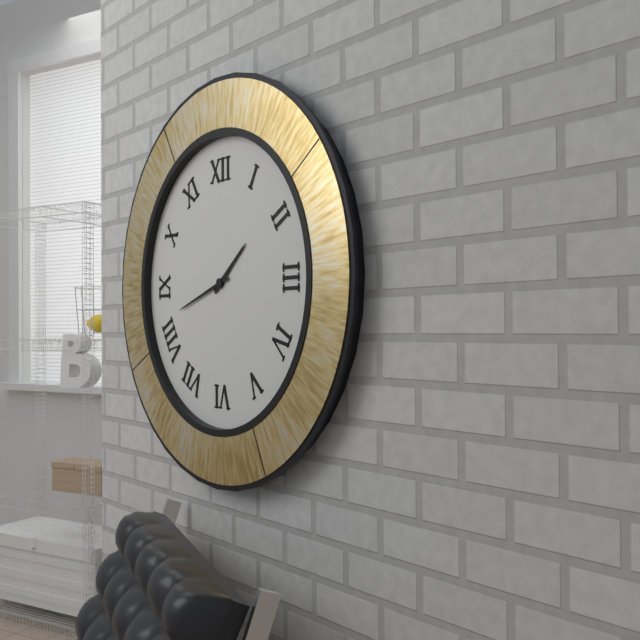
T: 1 h 42 min
